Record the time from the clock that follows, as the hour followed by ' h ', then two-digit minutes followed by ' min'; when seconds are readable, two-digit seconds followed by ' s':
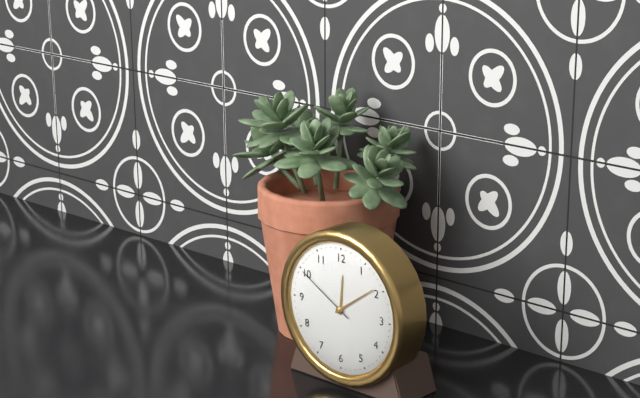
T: 12 h 09 min 50 s
